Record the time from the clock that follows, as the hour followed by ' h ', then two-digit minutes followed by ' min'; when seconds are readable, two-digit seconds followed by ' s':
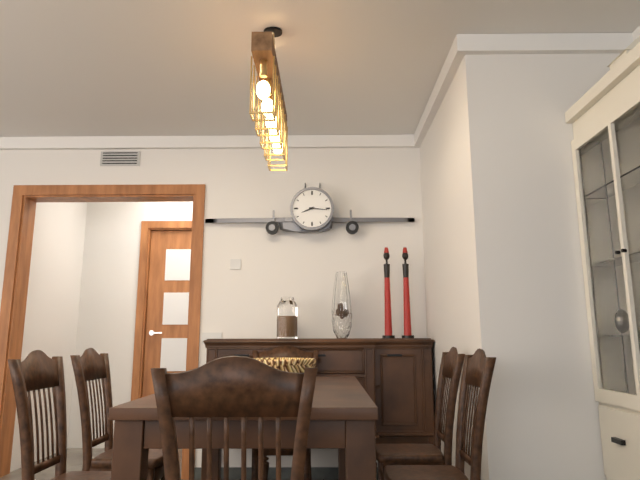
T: 8 h 16 min
